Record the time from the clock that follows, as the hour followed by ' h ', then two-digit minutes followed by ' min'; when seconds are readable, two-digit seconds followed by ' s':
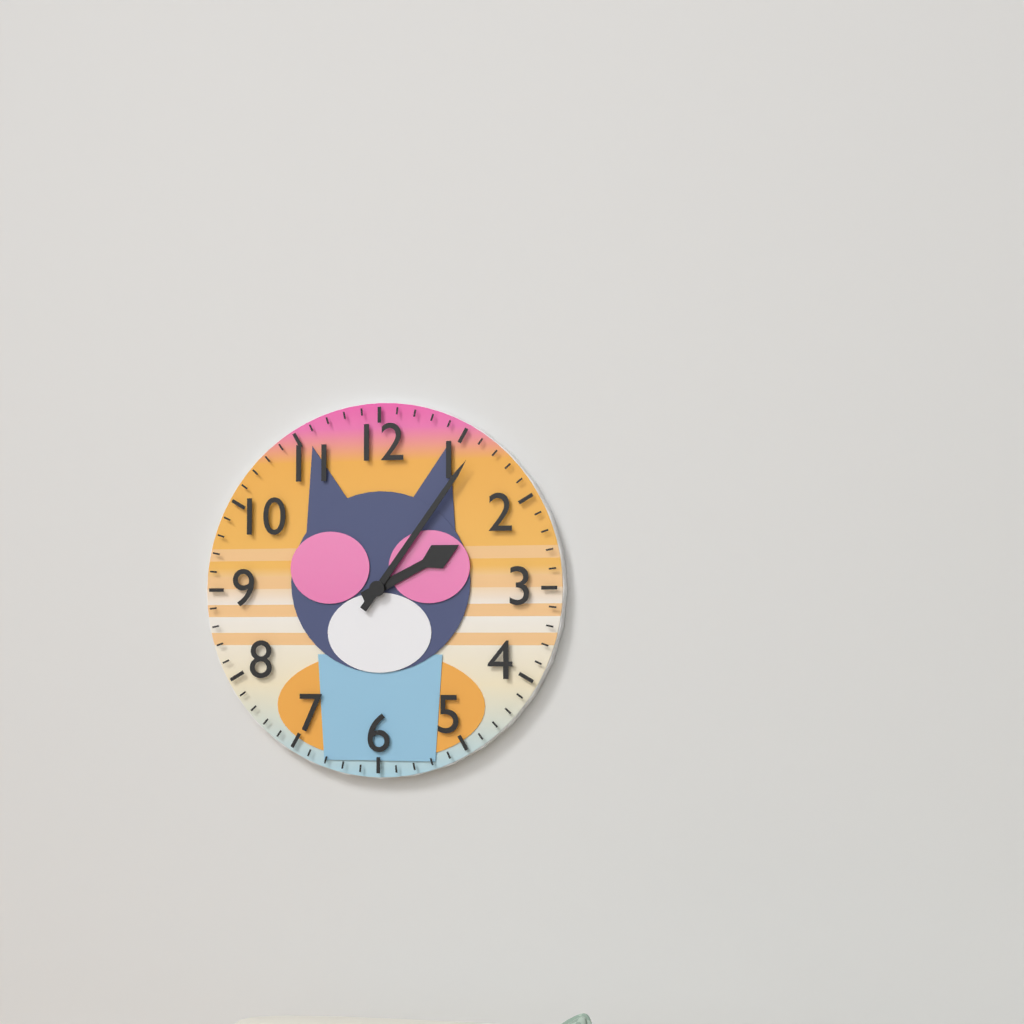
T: 2 h 06 min
